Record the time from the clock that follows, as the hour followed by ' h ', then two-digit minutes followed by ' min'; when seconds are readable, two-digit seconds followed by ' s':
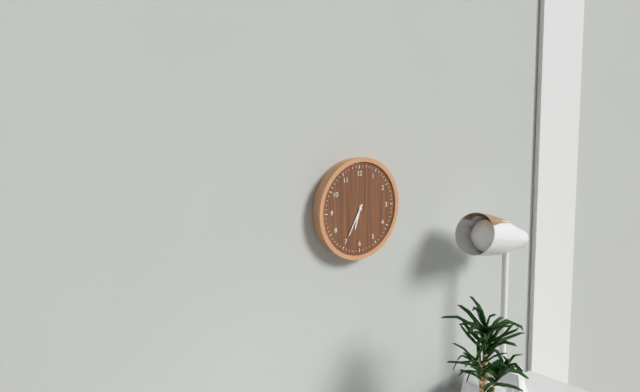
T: 6 h 35 min
